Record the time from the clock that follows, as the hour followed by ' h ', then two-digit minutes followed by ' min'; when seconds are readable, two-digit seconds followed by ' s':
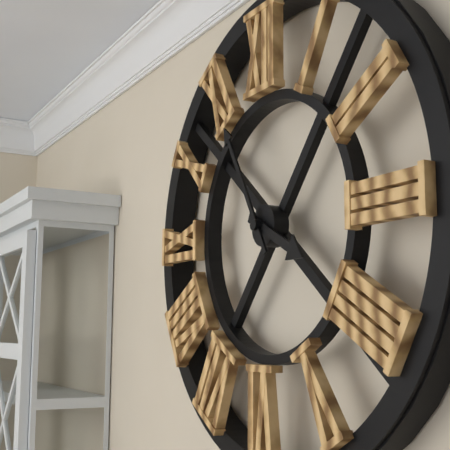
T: 3 h 55 min
